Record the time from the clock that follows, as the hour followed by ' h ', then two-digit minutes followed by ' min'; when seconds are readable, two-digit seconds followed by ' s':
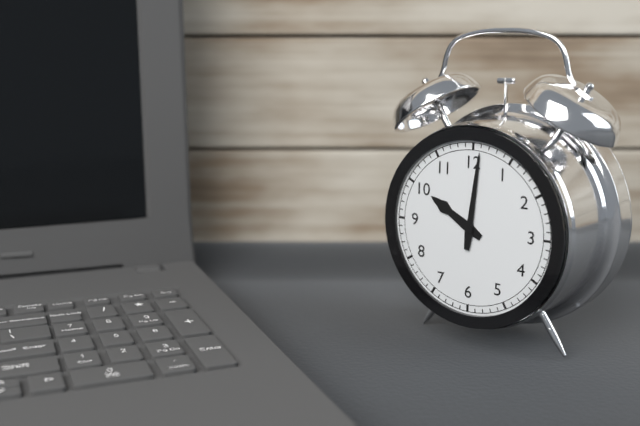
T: 10 h 01 min
